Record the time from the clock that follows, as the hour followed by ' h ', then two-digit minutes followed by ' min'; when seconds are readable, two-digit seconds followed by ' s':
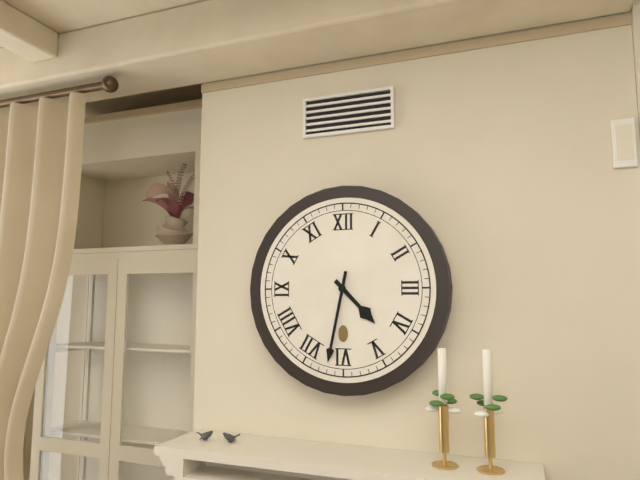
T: 4 h 32 min
